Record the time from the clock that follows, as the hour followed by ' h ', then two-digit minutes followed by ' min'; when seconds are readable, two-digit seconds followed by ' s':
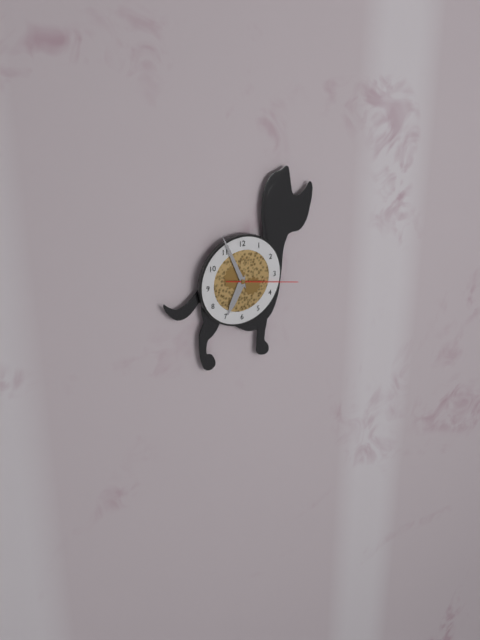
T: 6 h 56 min 17 s
